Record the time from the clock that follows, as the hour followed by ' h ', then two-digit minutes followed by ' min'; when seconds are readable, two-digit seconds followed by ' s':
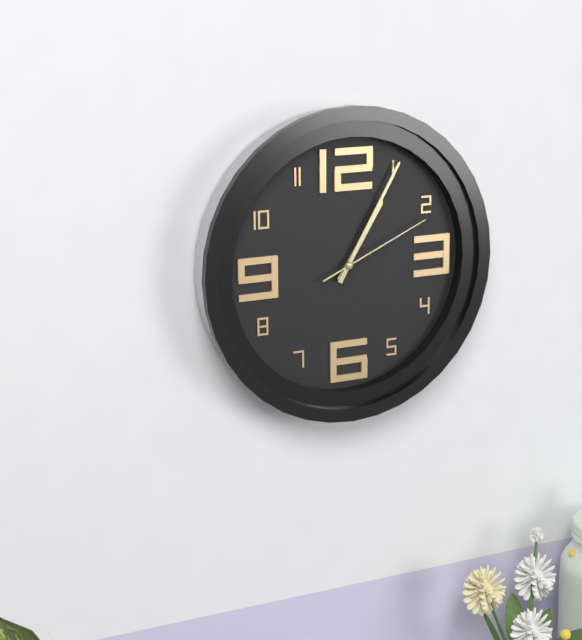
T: 1 h 05 min 11 s
